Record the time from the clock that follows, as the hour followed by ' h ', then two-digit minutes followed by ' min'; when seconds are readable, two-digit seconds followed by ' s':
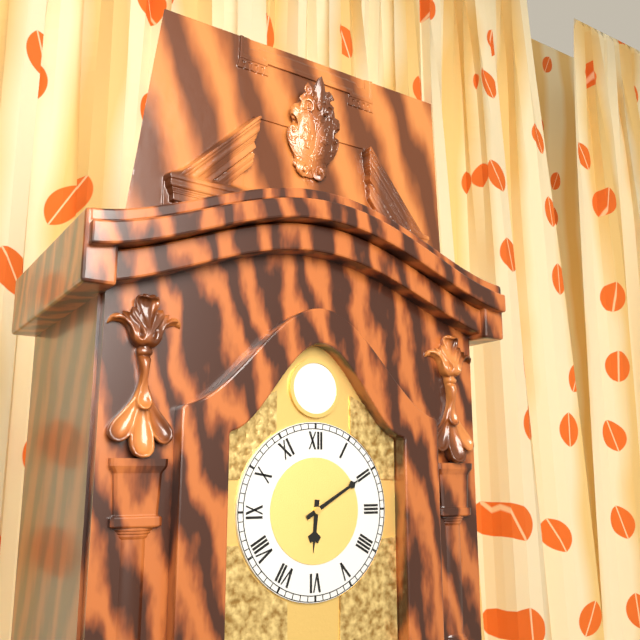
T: 6 h 10 min
